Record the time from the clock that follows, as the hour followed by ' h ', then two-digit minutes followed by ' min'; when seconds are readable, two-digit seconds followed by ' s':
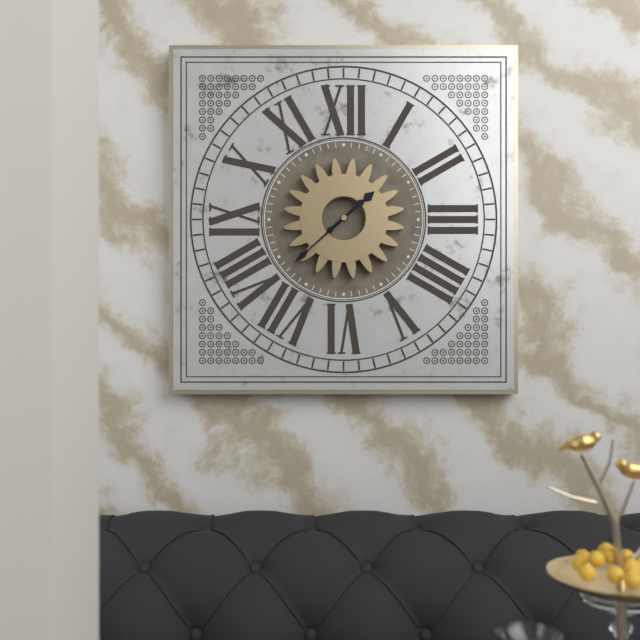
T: 1 h 38 min
